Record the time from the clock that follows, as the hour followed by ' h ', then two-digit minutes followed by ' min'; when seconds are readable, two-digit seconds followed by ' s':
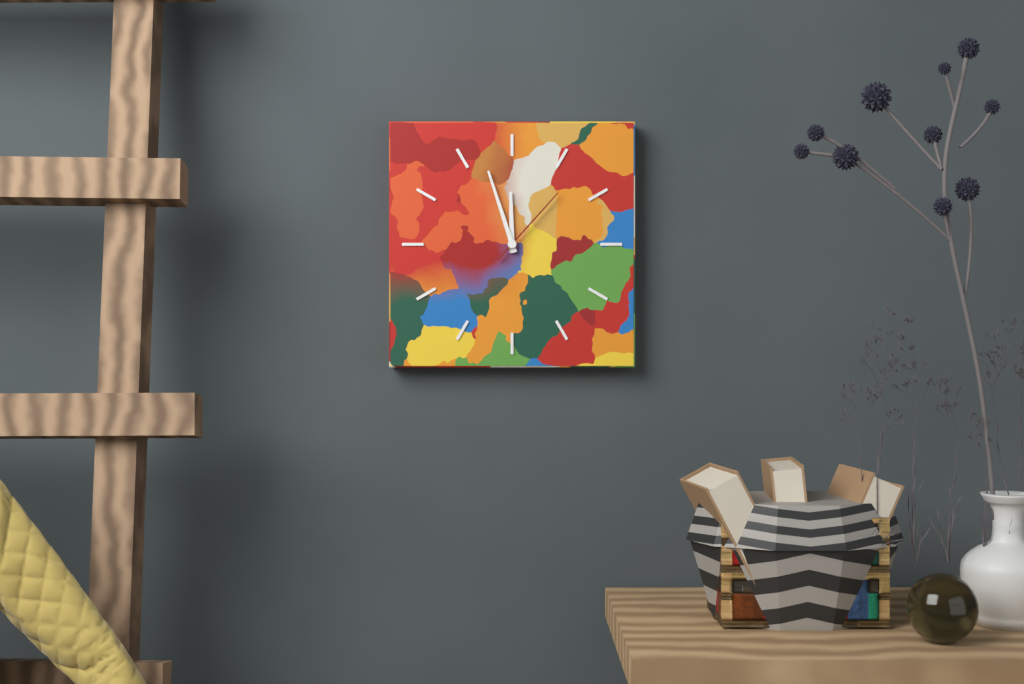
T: 11 h 57 min 07 s
